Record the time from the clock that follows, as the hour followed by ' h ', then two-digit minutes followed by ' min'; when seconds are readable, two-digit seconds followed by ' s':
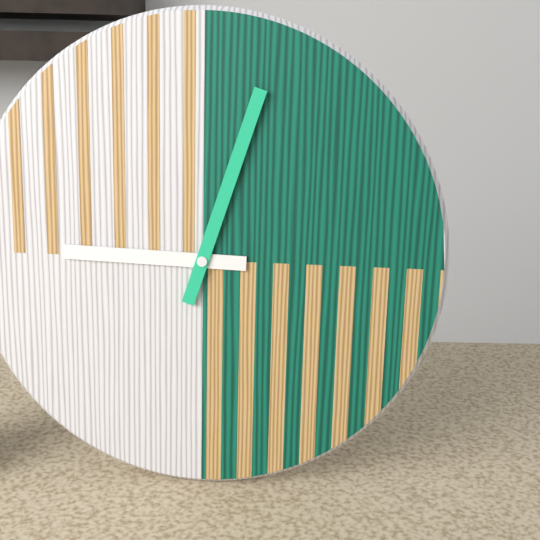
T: 9 h 03 min
